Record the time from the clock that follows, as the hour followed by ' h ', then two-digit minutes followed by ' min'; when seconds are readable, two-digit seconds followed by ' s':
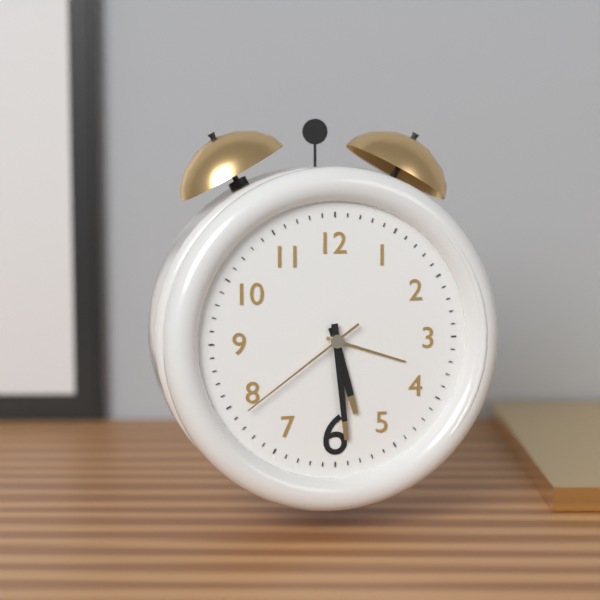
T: 5 h 29 min 39 s
